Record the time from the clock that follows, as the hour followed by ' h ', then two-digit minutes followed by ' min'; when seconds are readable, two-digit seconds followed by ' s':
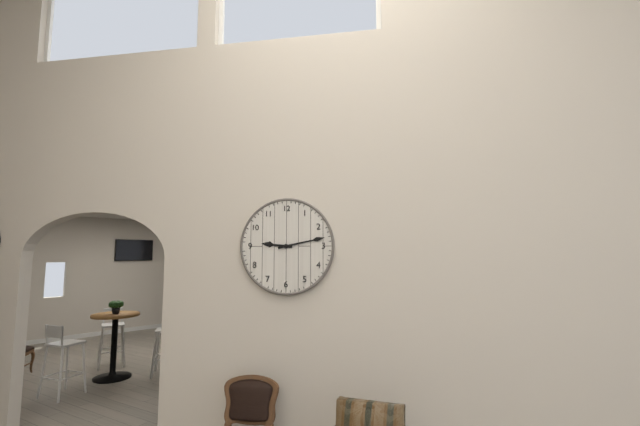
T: 9 h 13 min
